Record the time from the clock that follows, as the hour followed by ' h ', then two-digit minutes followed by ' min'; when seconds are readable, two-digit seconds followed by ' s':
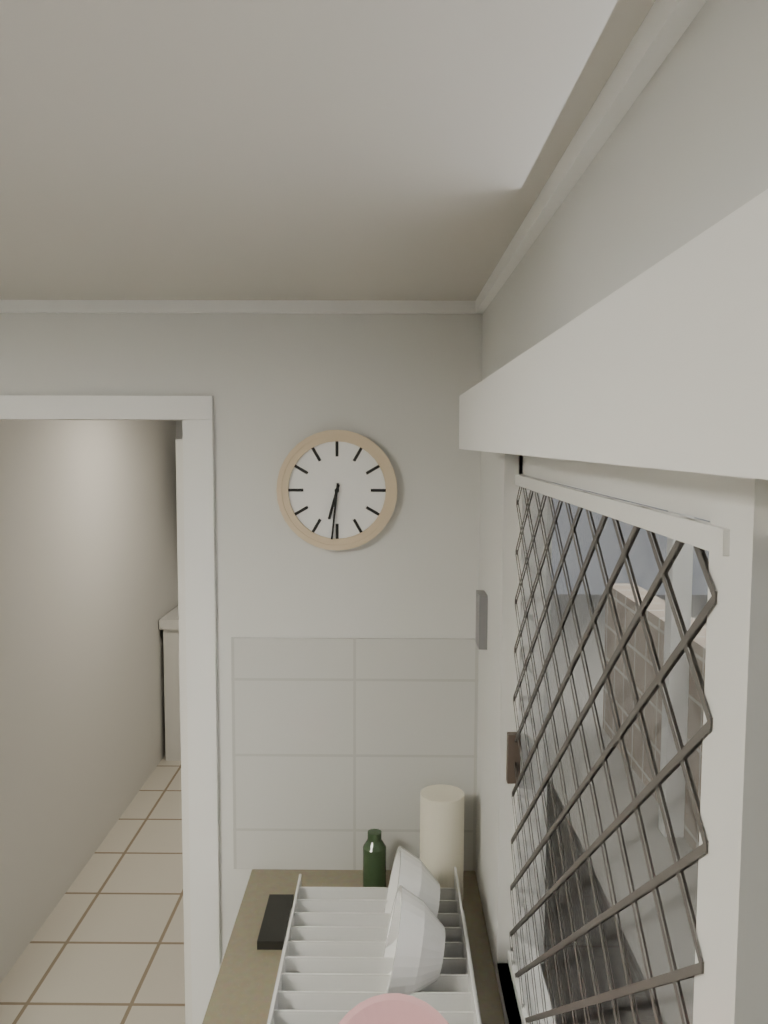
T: 6 h 31 min
